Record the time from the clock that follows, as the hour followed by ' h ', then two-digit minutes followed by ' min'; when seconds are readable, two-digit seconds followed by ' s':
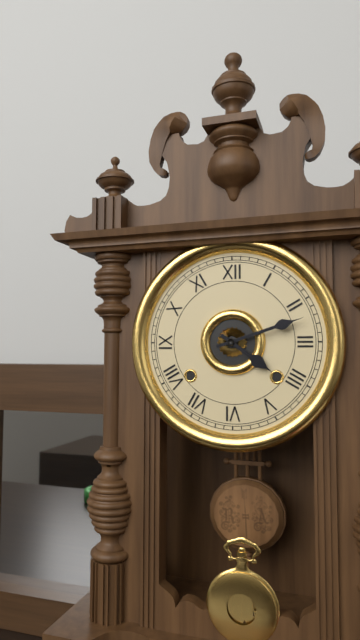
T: 4 h 12 min
